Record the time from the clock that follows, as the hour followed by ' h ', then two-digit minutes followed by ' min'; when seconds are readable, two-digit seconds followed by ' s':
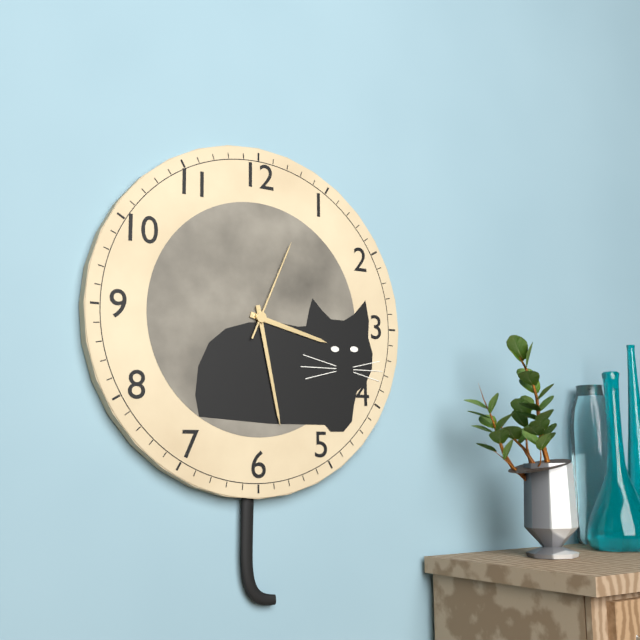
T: 3 h 28 min 04 s
